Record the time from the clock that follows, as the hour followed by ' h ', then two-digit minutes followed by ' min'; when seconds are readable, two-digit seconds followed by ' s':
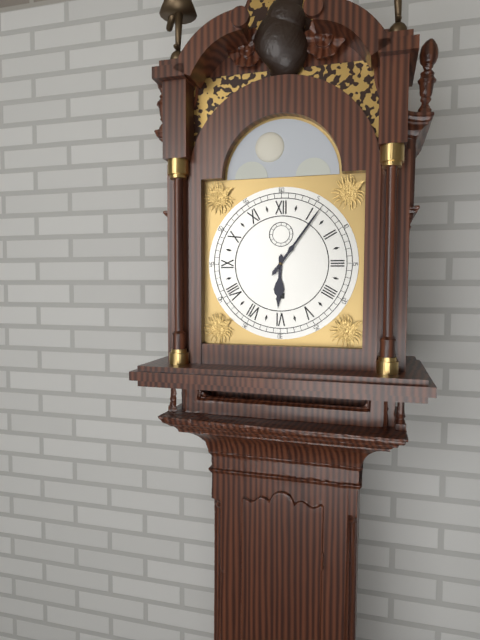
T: 6 h 06 min
